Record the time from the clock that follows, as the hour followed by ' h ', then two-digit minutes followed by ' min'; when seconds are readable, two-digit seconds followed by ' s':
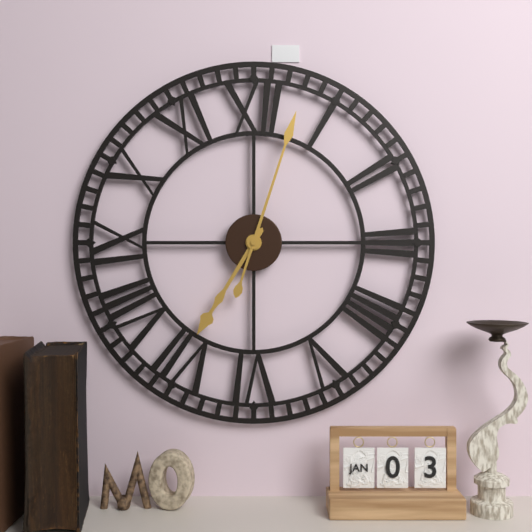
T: 7 h 03 min
